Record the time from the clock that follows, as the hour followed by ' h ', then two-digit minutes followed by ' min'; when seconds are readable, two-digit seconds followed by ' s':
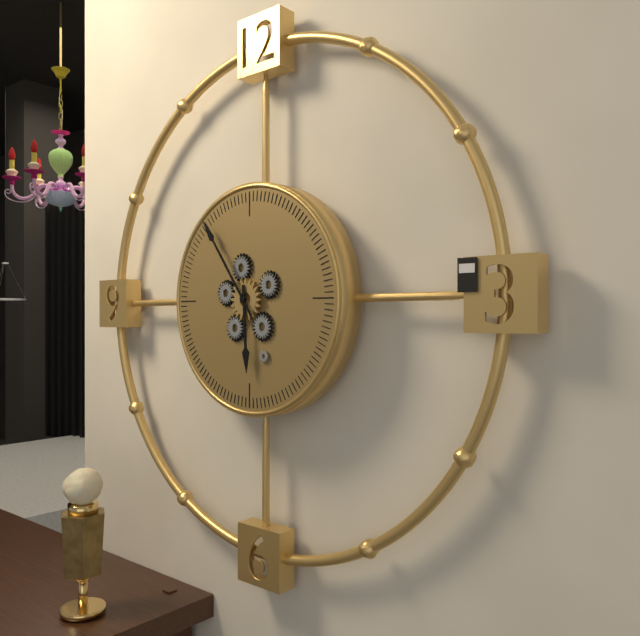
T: 5 h 54 min
